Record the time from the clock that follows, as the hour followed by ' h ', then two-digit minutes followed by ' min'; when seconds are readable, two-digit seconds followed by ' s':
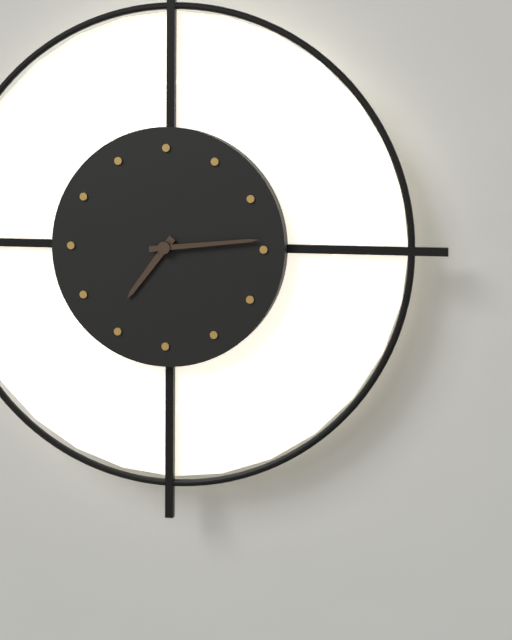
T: 7 h 14 min
